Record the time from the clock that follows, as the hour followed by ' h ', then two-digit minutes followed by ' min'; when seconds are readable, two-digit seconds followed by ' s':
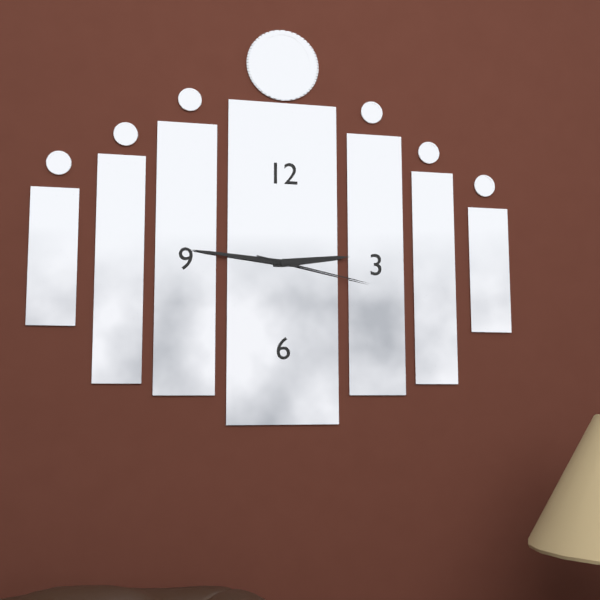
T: 2 h 46 min 17 s
